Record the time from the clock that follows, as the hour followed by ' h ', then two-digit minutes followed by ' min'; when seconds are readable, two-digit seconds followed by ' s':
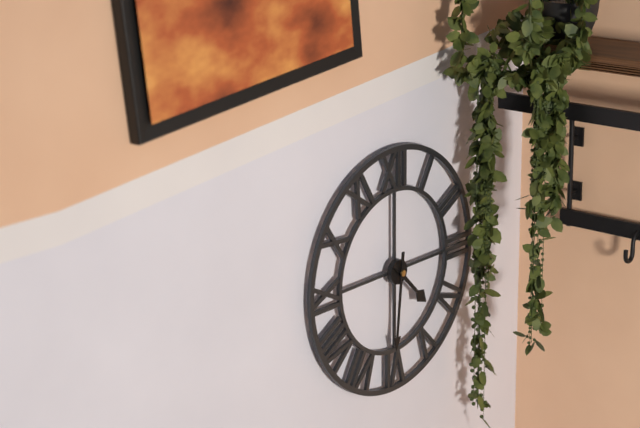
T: 4 h 31 min
